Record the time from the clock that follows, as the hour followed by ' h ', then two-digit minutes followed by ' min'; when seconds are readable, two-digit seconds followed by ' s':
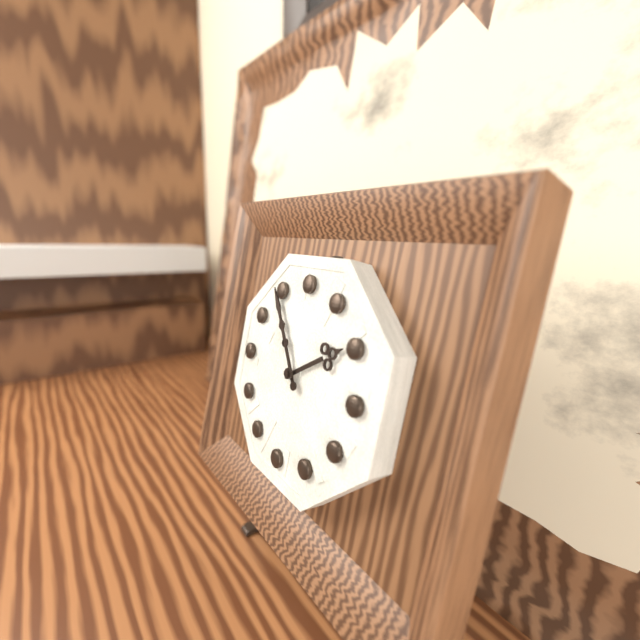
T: 1 h 54 min
